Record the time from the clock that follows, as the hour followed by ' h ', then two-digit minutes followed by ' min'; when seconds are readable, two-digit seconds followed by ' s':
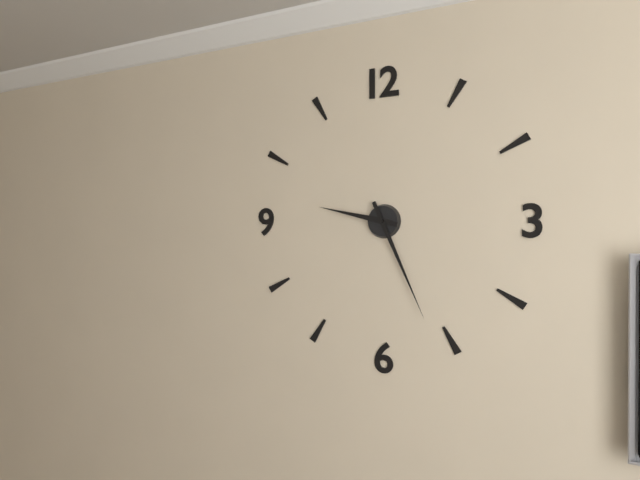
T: 9 h 26 min
